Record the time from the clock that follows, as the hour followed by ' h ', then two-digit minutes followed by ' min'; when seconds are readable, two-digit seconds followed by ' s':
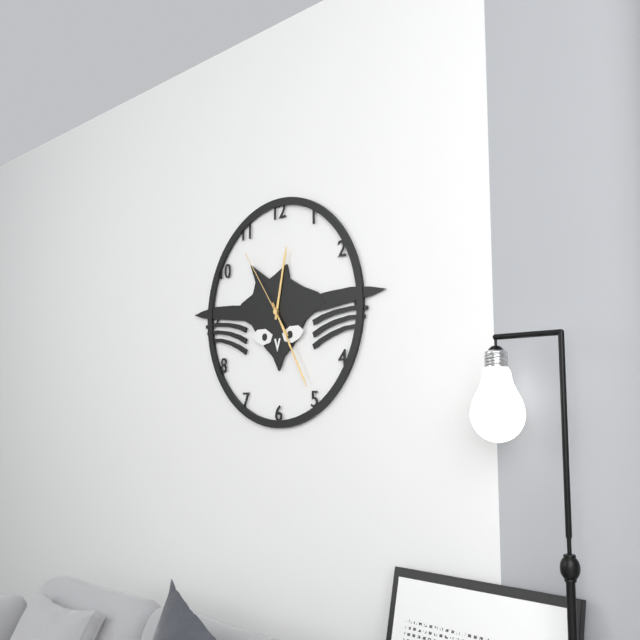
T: 12 h 25 min 54 s
